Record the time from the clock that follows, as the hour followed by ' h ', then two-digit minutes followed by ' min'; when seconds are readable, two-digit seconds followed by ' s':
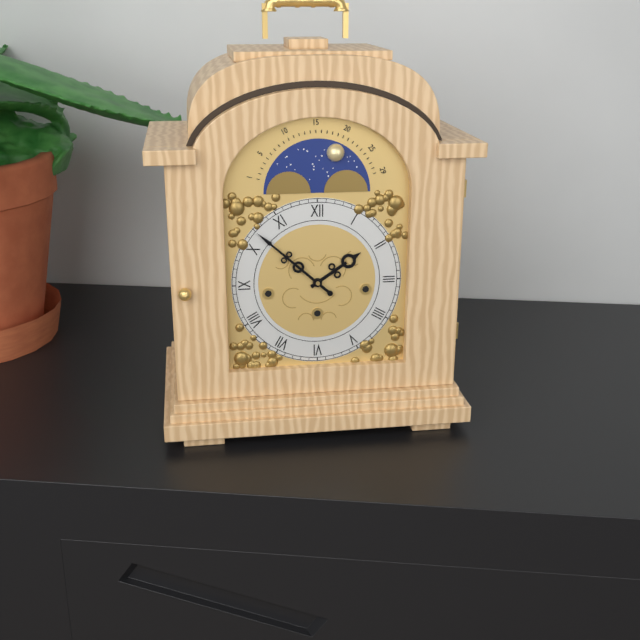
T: 1 h 52 min
